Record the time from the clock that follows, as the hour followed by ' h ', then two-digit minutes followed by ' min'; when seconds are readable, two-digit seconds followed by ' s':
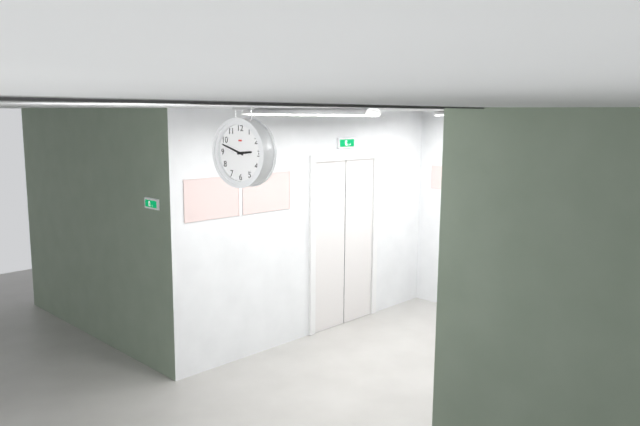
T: 2 h 48 min
